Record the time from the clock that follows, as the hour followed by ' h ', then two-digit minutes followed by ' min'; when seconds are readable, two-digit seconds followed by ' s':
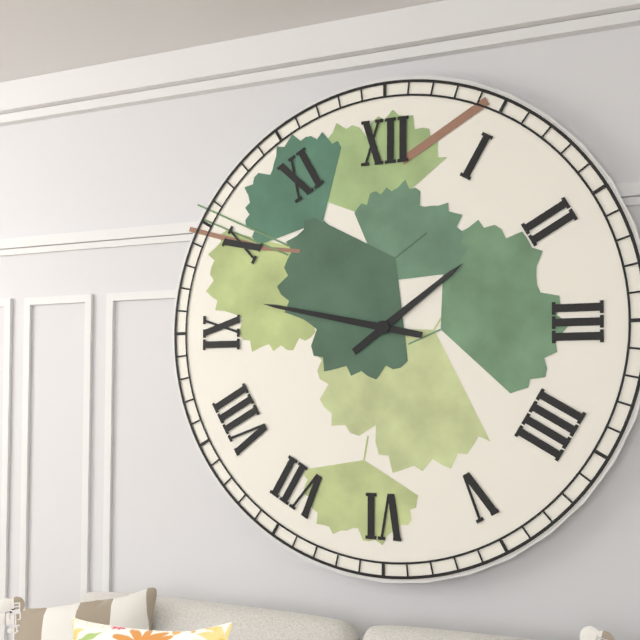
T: 1 h 47 min
